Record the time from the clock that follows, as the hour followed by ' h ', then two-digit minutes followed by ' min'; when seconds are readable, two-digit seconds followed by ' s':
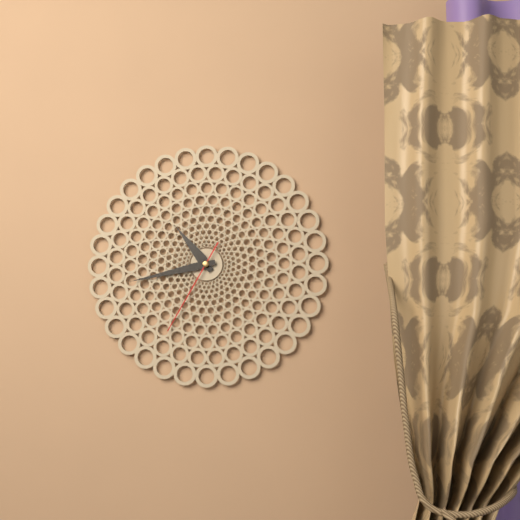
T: 10 h 43 min 35 s
